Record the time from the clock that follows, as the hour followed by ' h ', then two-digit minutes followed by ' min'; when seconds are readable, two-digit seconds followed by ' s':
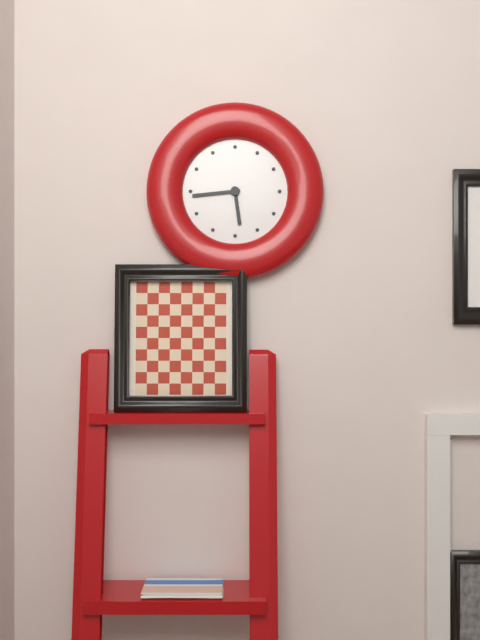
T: 5 h 44 min
